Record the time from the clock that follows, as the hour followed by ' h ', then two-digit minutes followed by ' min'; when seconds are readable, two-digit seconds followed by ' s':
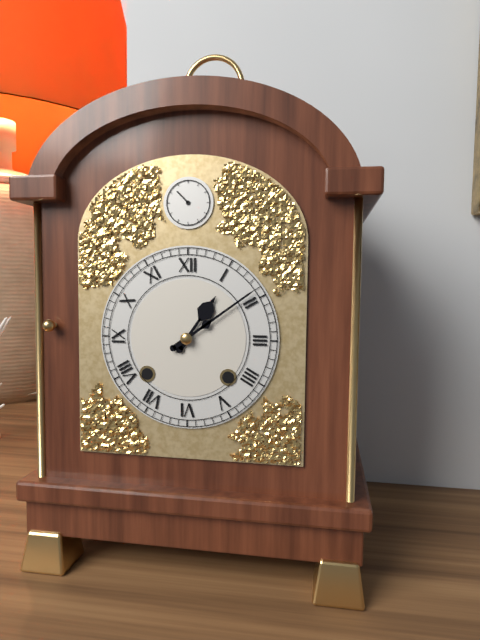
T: 1 h 09 min
